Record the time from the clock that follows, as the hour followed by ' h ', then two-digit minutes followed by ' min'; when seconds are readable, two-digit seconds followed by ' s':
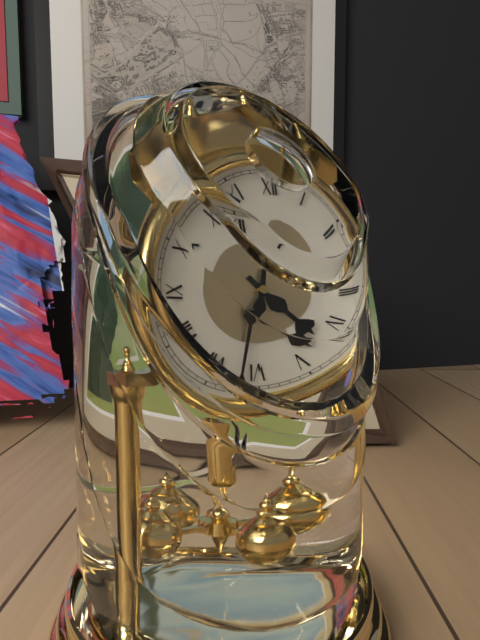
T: 4 h 32 min
